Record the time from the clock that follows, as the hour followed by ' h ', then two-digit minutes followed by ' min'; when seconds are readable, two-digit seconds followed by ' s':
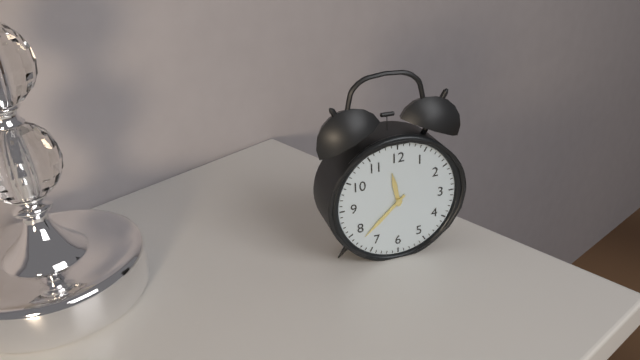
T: 11 h 38 min
